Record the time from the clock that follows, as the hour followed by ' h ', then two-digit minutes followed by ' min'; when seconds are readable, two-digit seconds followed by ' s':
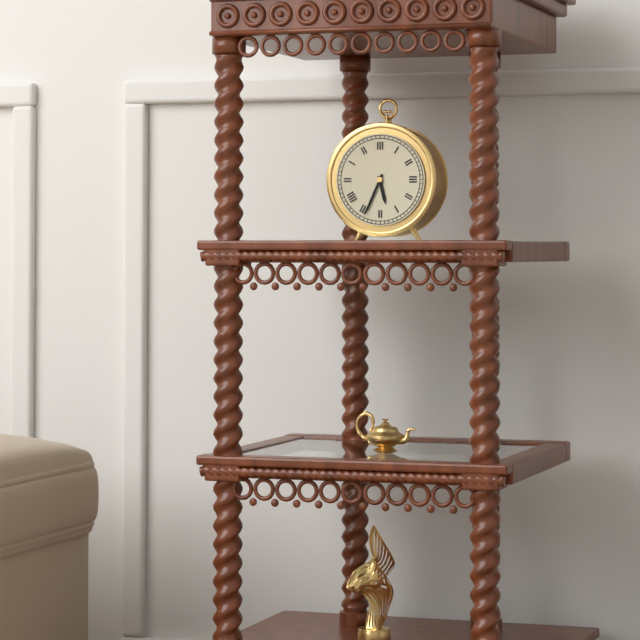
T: 5 h 34 min
